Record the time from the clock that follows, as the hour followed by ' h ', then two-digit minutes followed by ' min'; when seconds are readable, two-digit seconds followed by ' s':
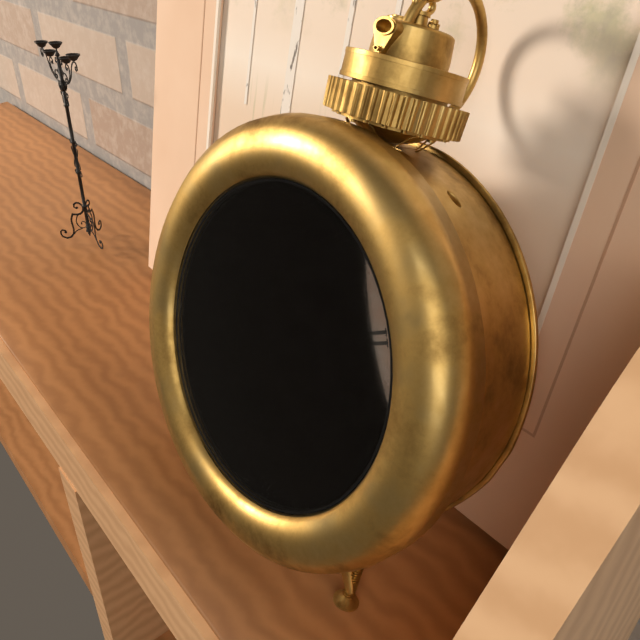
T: 1 h 49 min 48 s
